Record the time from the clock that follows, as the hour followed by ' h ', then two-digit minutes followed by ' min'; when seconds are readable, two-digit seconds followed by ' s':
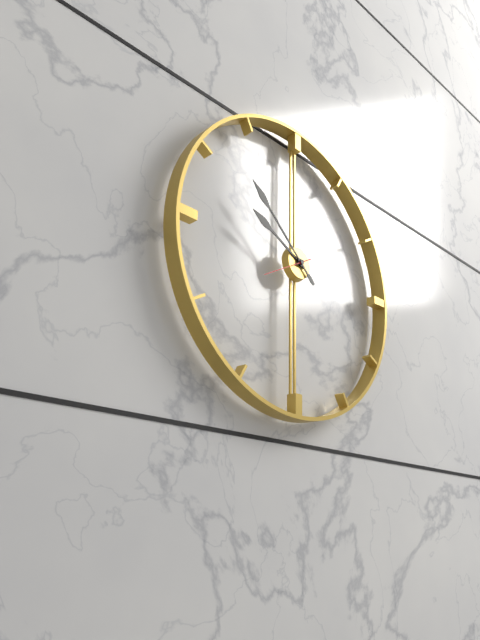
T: 9 h 52 min
